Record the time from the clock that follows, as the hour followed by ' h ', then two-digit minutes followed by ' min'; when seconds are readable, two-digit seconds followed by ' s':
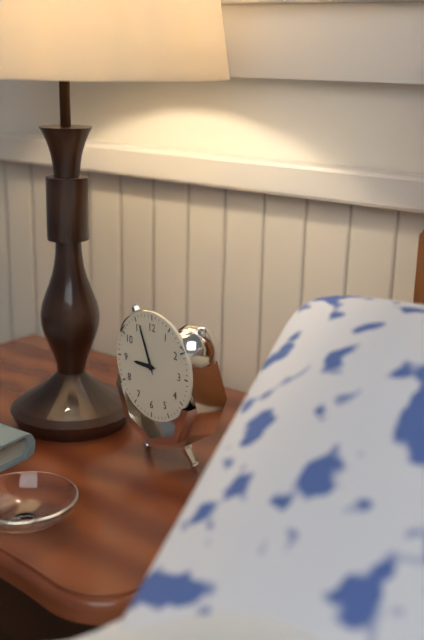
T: 8 h 56 min
